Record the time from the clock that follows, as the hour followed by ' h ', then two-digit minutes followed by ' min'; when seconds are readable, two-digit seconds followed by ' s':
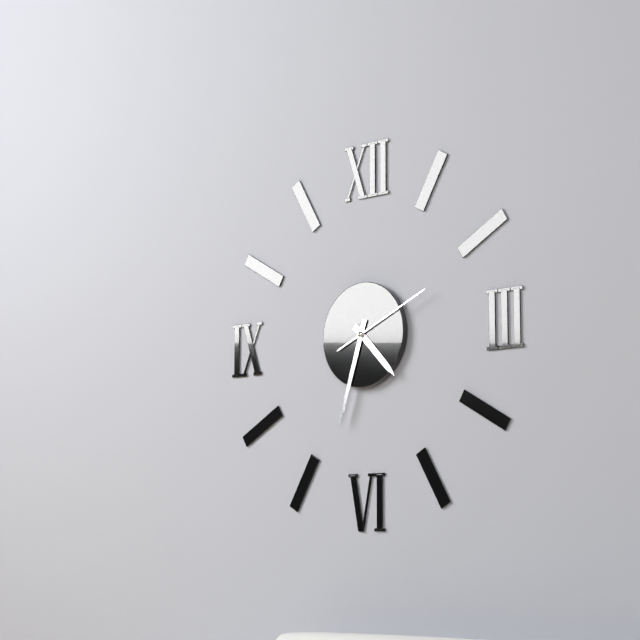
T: 4 h 33 min 11 s
